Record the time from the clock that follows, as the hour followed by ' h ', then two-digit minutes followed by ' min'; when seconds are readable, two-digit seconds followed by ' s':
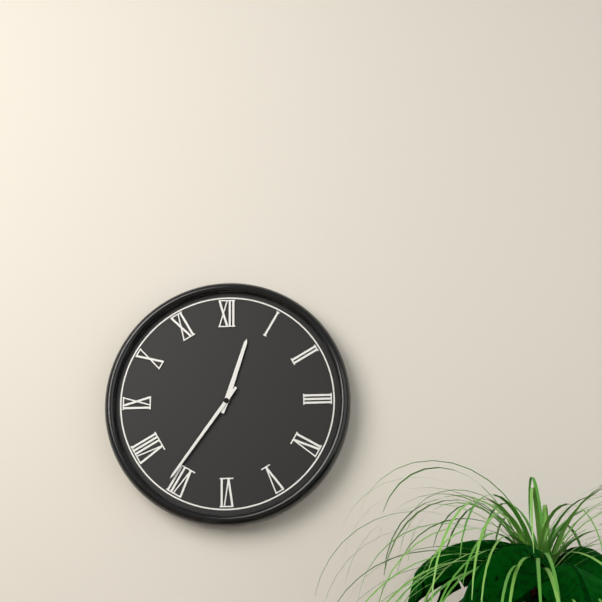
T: 12 h 36 min
